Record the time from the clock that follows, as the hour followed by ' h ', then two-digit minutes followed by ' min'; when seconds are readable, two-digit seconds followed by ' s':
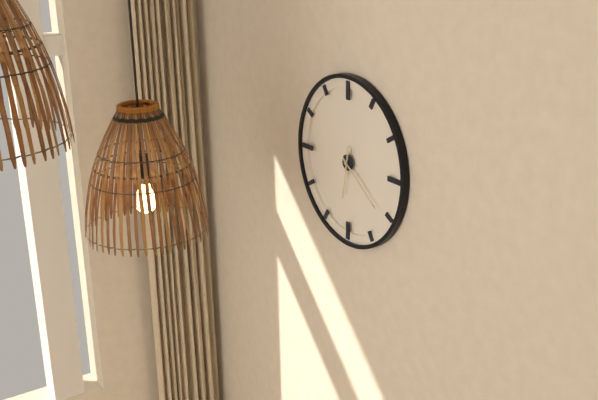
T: 6 h 21 min
